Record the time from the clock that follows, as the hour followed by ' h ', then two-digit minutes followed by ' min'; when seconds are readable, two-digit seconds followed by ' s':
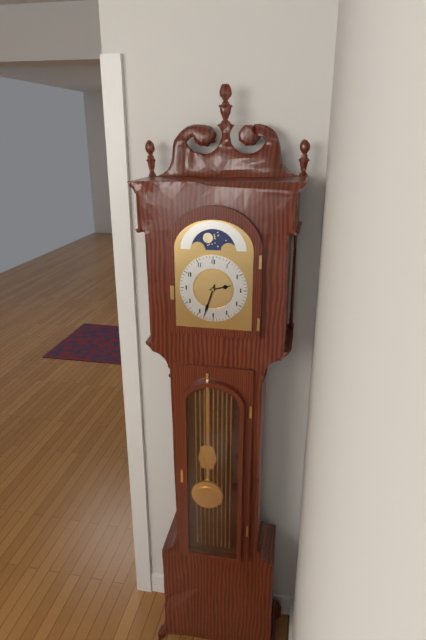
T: 2 h 33 min
